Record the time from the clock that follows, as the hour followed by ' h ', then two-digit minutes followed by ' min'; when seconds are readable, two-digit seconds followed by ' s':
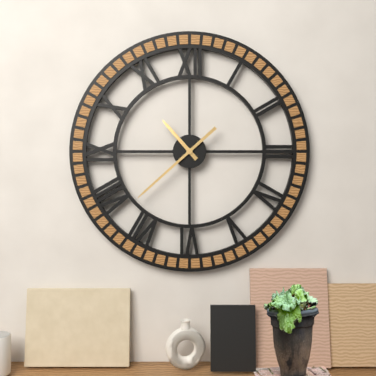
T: 10 h 38 min
